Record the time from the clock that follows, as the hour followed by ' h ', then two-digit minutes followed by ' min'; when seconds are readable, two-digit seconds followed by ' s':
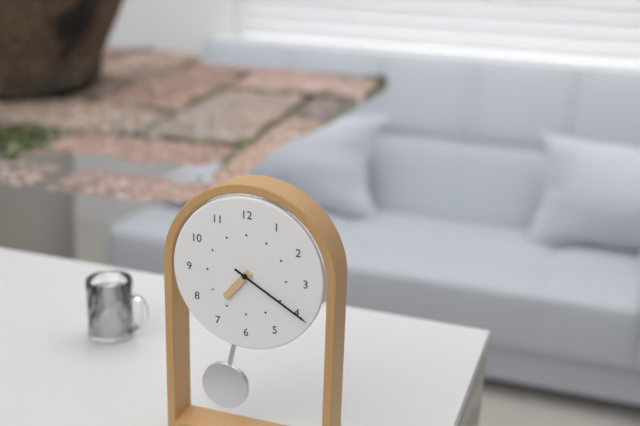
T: 7 h 20 min
